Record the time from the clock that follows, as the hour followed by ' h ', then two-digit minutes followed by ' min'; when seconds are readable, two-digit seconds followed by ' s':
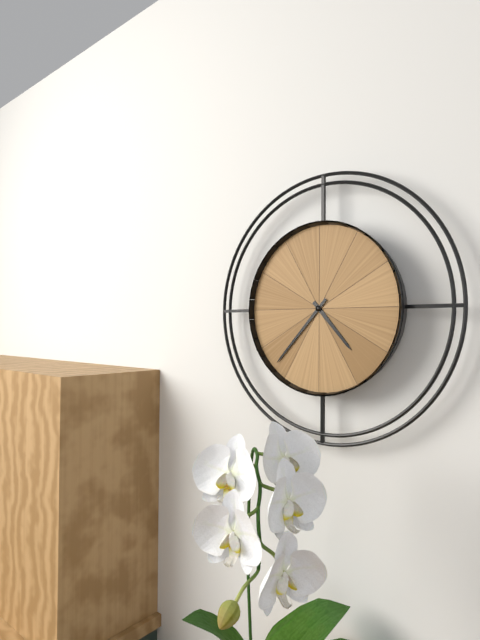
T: 4 h 37 min
